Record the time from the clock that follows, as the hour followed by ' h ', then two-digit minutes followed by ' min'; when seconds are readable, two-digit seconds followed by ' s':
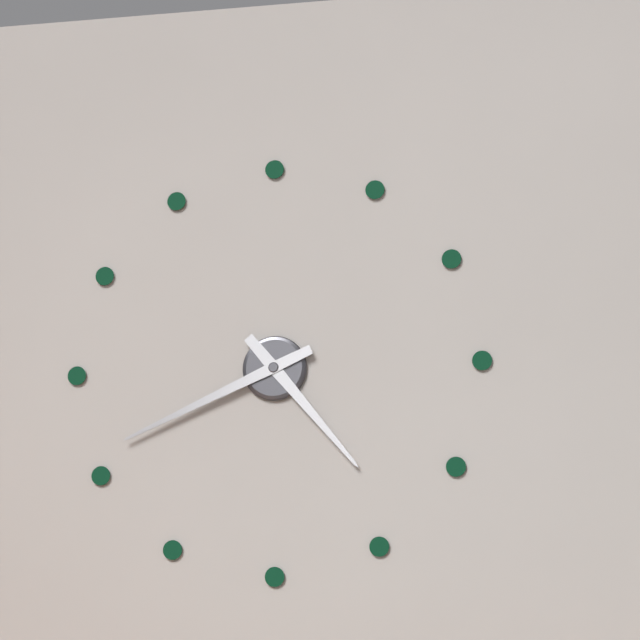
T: 4 h 41 min
